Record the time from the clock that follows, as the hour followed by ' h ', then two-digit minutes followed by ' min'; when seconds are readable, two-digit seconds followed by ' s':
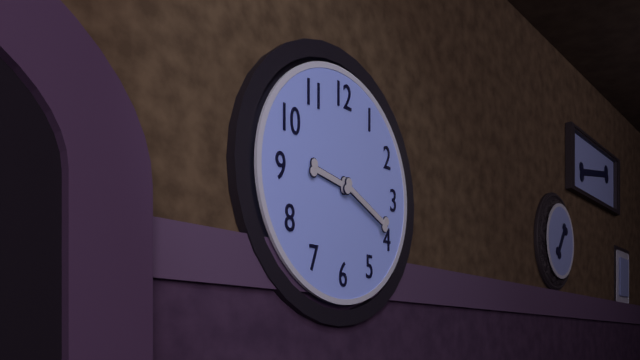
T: 9 h 19 min
